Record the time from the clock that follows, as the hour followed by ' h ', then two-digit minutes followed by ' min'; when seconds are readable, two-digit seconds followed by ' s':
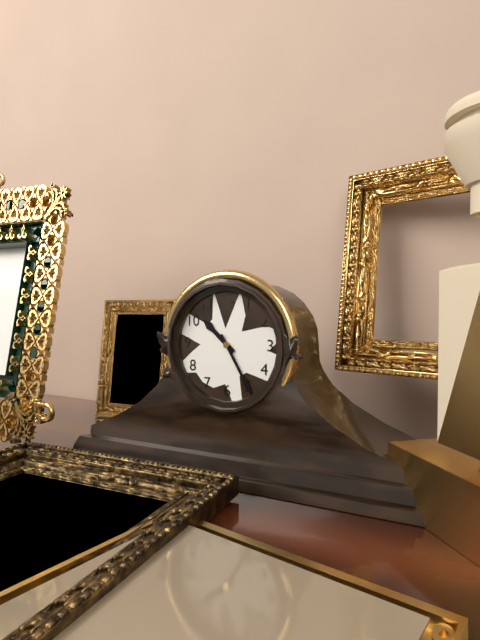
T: 10 h 25 min
